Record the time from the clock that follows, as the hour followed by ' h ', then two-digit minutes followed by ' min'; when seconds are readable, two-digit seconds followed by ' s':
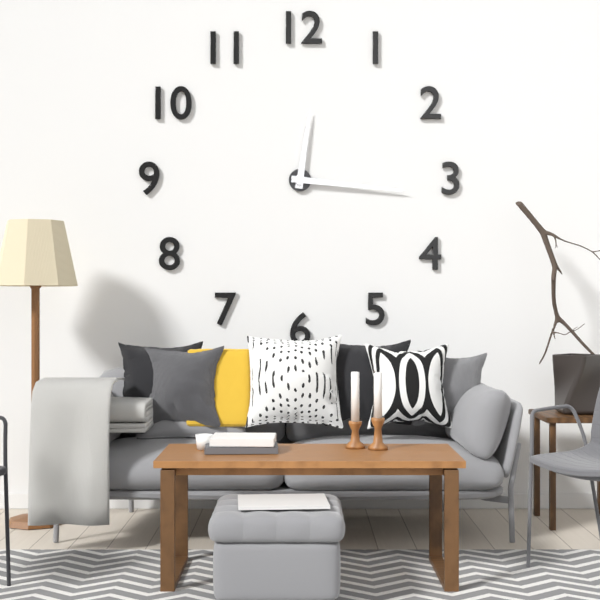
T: 12 h 16 min
